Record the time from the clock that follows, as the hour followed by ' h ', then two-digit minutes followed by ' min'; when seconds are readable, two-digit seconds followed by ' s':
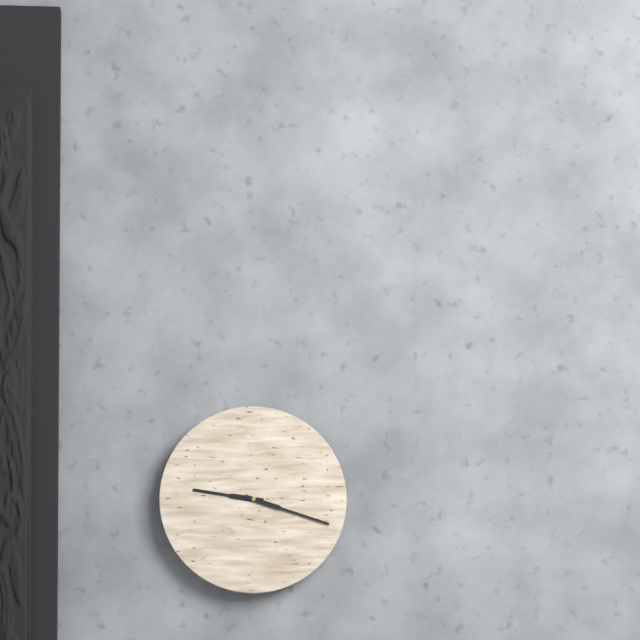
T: 9 h 18 min
